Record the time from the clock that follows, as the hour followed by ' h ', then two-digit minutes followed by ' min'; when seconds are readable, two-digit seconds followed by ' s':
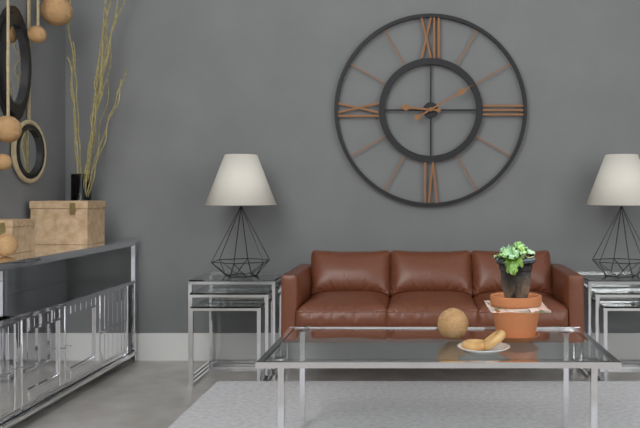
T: 9 h 10 min
